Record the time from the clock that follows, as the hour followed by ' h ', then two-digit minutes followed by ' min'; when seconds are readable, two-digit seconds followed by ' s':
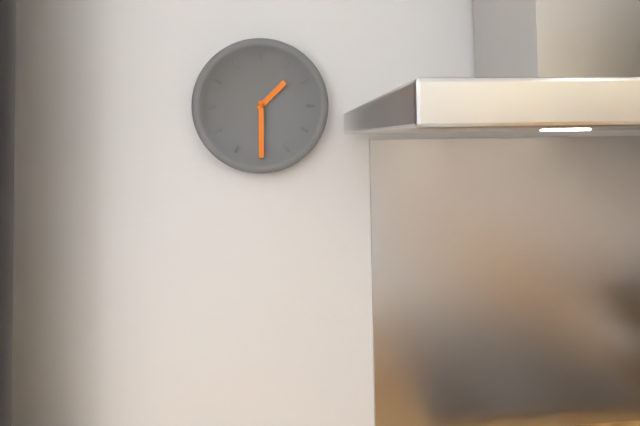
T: 1 h 30 min
